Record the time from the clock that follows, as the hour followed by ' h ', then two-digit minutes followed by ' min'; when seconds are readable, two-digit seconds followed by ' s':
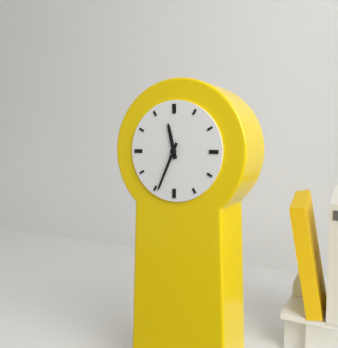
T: 11 h 34 min
